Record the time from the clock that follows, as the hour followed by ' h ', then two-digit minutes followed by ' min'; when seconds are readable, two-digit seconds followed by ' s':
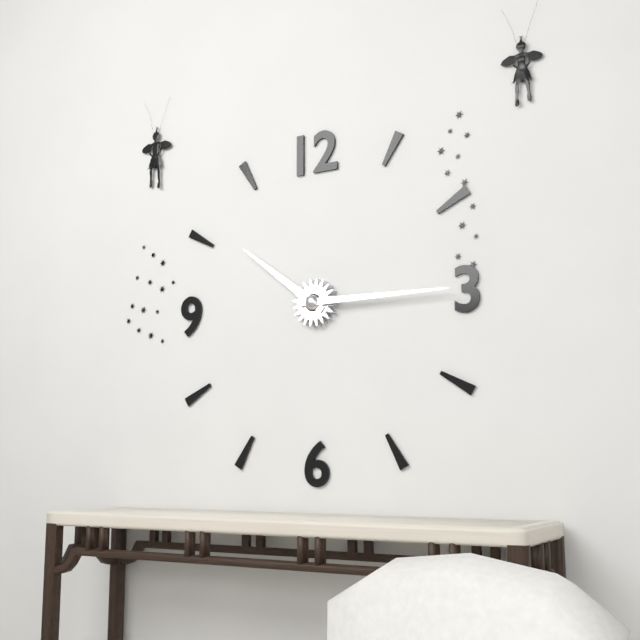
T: 10 h 15 min
